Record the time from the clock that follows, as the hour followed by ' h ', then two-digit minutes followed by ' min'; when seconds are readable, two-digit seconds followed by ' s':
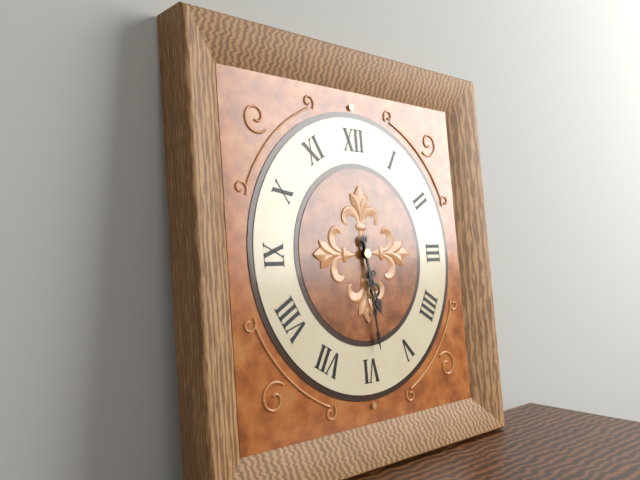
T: 5 h 29 min
